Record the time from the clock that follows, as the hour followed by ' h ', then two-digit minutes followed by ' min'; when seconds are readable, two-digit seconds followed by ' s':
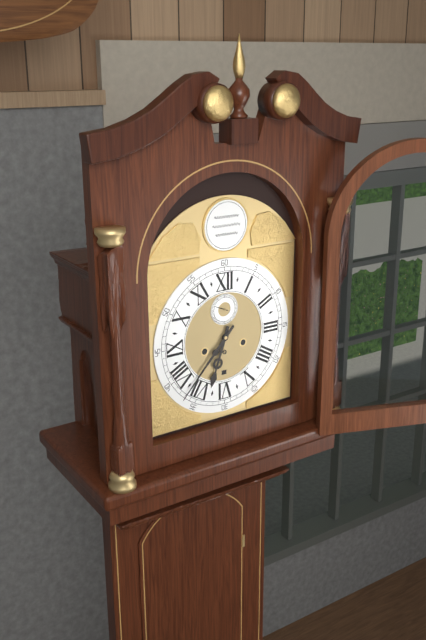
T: 6 h 37 min
